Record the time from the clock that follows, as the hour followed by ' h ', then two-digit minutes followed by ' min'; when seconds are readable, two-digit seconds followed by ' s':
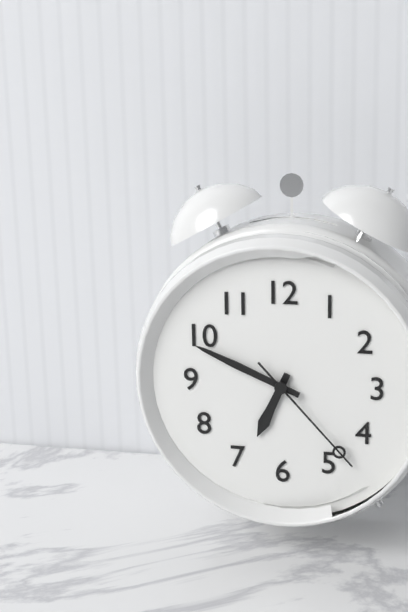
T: 6 h 49 min 23 s
